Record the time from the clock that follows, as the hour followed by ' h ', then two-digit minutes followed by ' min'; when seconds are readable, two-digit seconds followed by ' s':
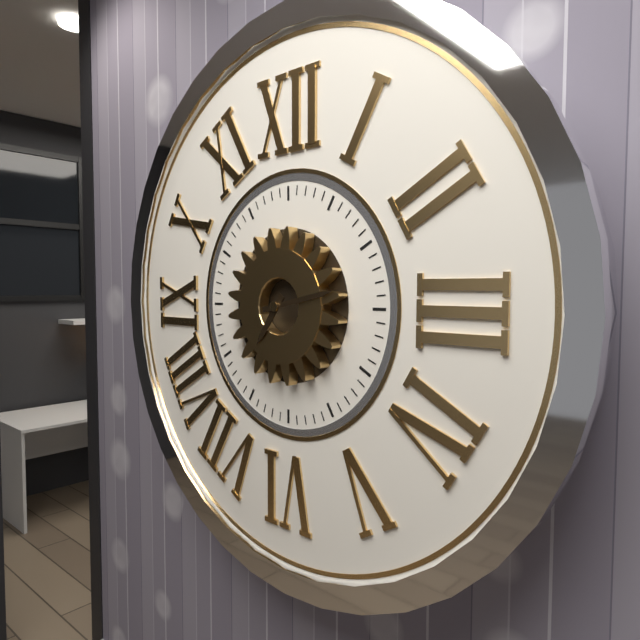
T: 7 h 13 min
